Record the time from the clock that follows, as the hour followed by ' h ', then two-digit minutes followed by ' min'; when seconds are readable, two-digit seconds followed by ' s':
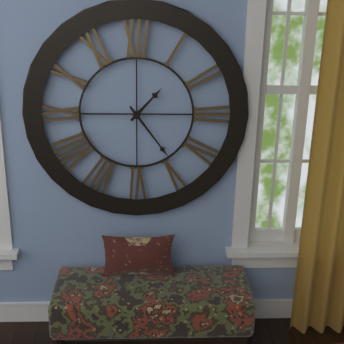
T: 1 h 24 min
